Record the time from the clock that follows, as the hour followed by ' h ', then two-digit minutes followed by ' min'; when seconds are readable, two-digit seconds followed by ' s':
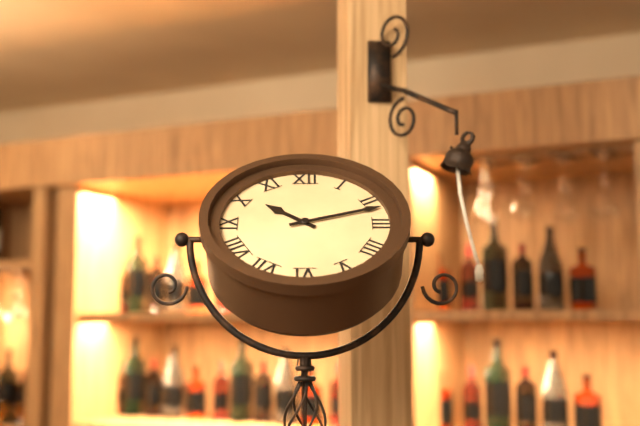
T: 10 h 12 min
